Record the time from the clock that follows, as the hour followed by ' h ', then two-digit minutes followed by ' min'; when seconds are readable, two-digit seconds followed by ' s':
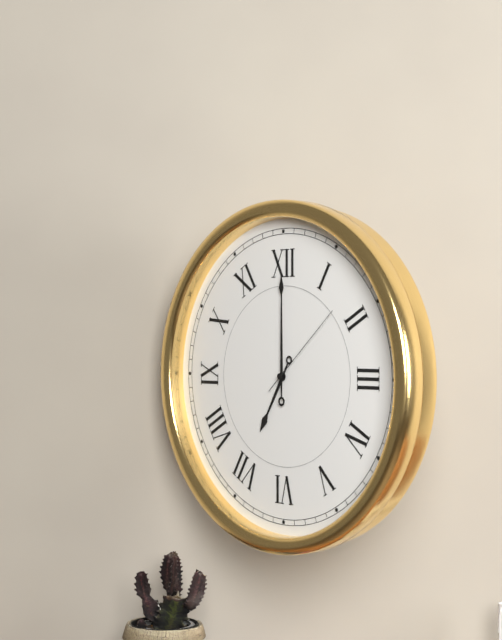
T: 7 h 00 min 08 s
